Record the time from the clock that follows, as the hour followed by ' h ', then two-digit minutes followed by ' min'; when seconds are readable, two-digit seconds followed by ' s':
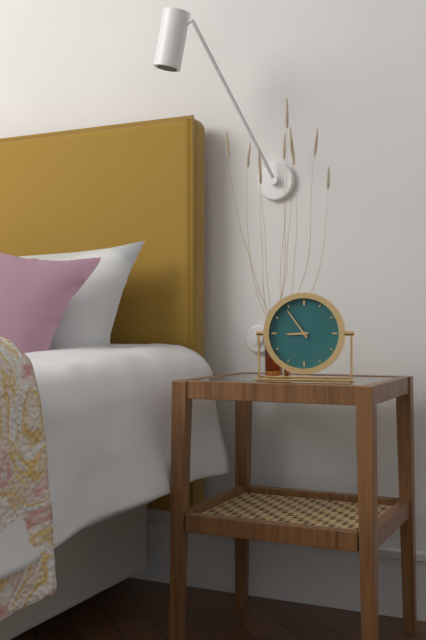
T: 8 h 54 min
